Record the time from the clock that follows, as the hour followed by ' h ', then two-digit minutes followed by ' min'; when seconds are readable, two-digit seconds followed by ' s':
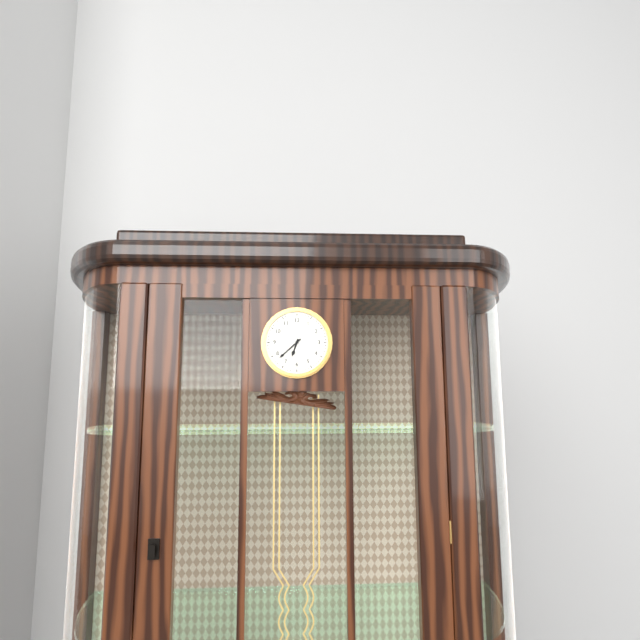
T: 6 h 38 min
